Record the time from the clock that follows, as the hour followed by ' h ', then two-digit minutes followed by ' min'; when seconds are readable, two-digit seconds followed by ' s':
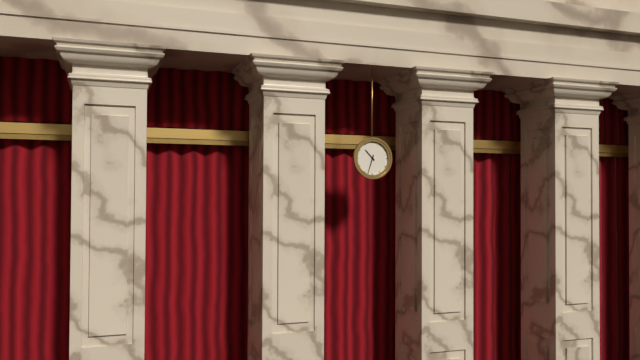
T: 10 h 33 min
